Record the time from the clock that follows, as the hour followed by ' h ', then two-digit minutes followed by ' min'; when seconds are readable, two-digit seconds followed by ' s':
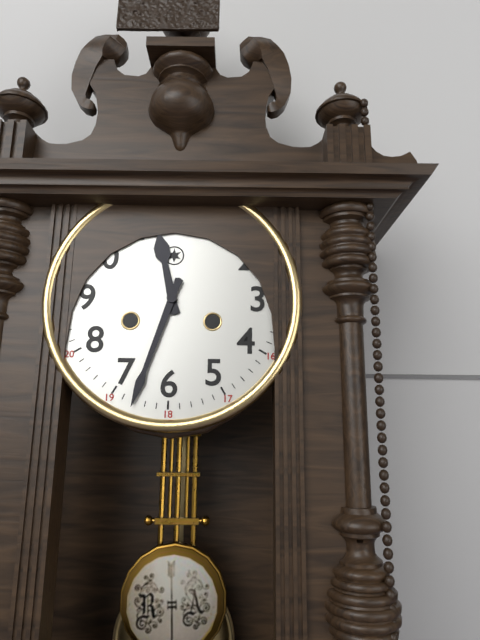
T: 11 h 33 min
